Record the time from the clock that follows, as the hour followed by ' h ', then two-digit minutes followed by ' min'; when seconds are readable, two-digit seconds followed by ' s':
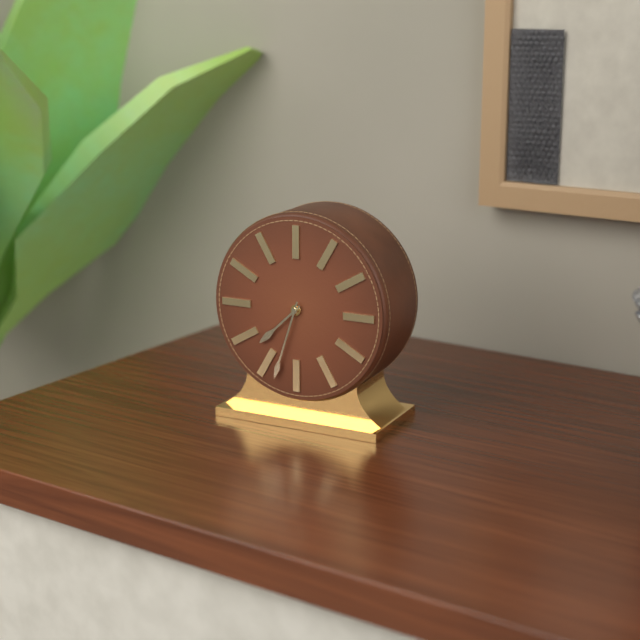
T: 7 h 33 min
